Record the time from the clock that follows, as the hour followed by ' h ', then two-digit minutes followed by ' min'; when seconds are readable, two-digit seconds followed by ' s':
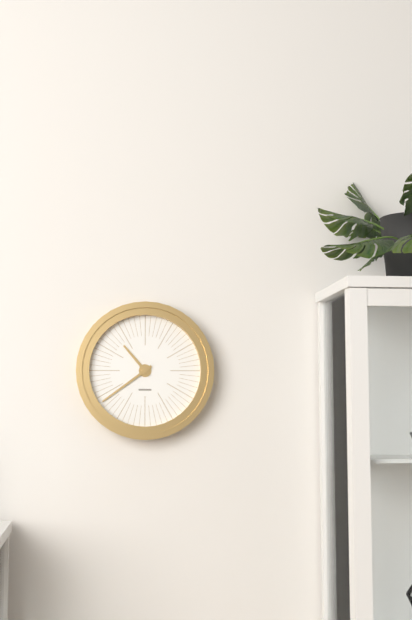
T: 10 h 39 min
